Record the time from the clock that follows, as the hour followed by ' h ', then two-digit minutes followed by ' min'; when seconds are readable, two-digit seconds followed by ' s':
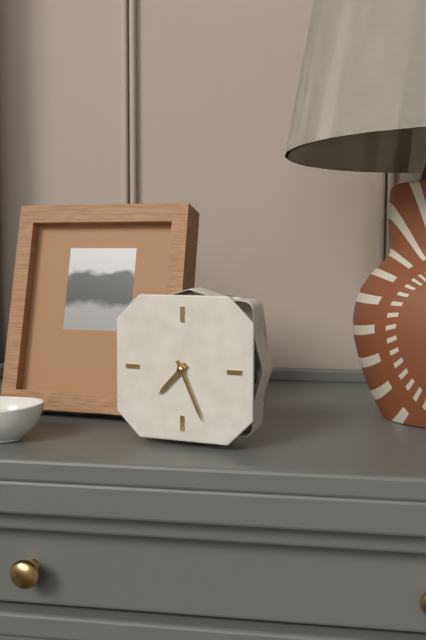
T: 7 h 26 min
